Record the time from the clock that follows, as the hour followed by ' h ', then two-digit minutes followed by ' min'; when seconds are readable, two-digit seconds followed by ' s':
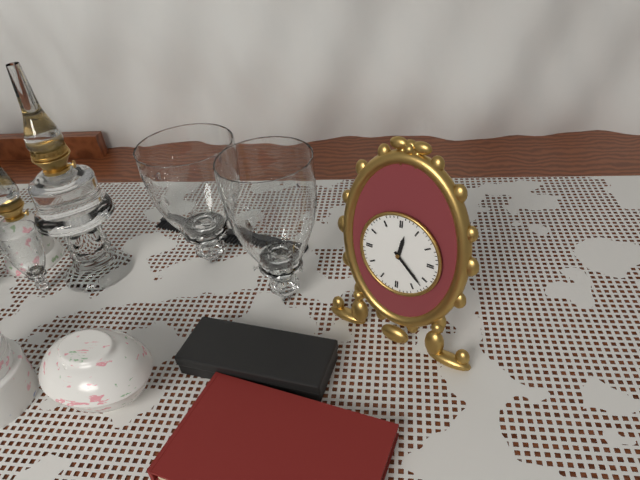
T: 12 h 22 min
